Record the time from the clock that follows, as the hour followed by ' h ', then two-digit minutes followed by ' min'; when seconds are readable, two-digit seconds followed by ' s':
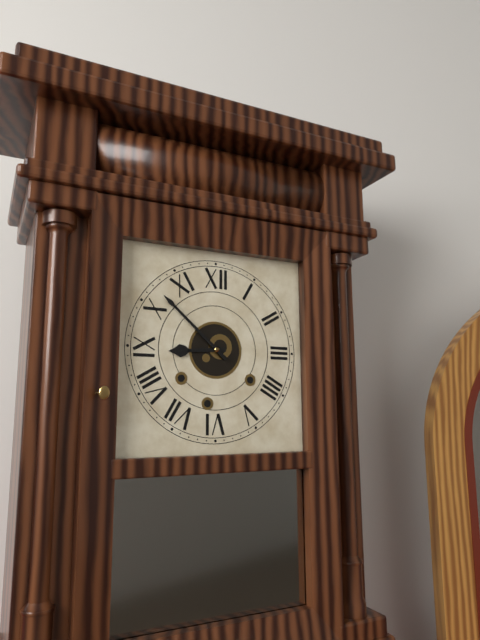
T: 8 h 52 min
